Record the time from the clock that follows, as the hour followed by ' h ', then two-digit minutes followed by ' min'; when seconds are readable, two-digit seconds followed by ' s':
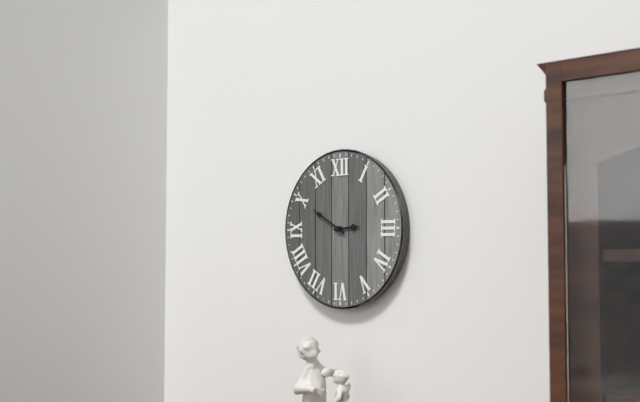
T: 2 h 50 min
